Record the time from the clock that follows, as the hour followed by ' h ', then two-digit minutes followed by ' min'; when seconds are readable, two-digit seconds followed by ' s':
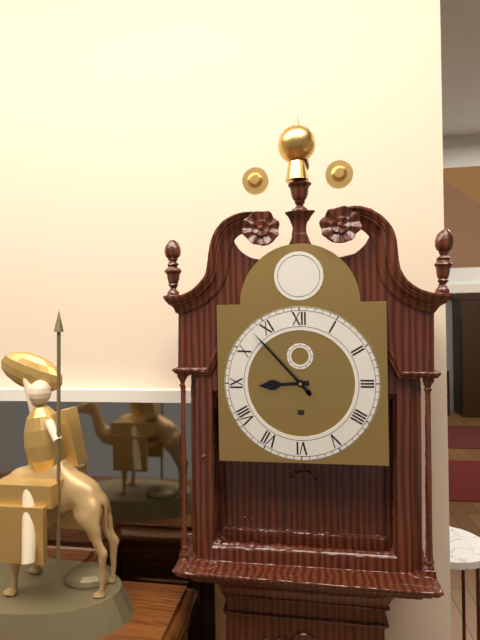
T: 8 h 53 min
